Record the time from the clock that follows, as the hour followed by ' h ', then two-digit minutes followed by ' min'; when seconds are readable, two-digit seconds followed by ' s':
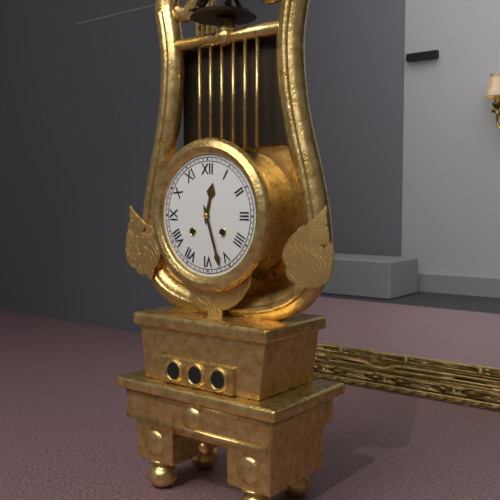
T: 12 h 27 min
